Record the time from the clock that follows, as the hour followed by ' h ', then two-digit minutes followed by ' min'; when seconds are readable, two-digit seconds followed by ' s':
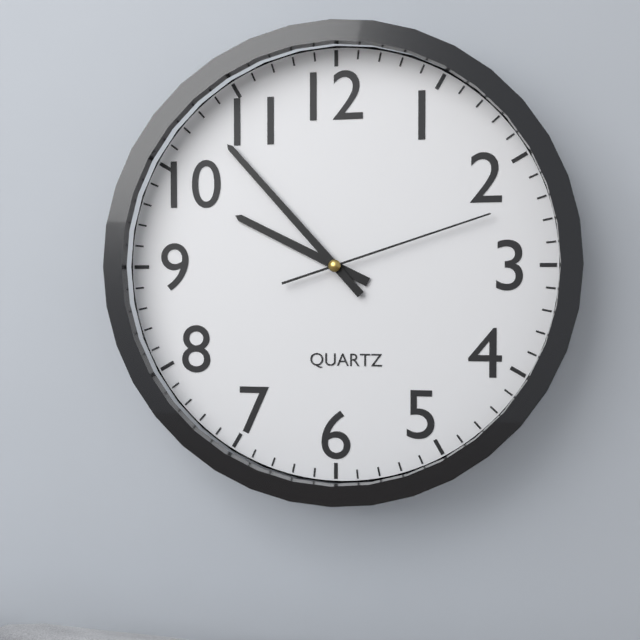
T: 9 h 53 min 12 s
